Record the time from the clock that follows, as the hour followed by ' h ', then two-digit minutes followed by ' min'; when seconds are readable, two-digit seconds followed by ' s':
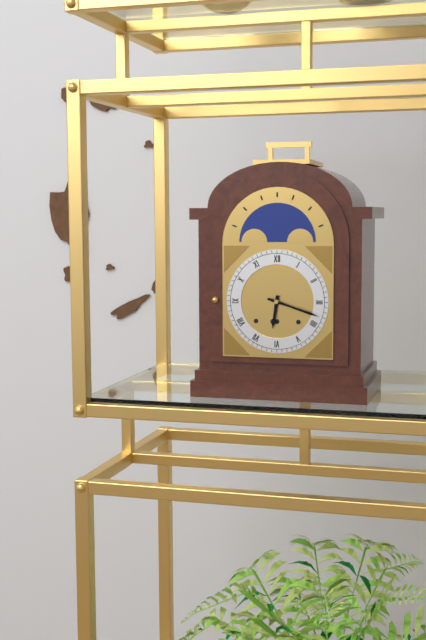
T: 6 h 18 min
